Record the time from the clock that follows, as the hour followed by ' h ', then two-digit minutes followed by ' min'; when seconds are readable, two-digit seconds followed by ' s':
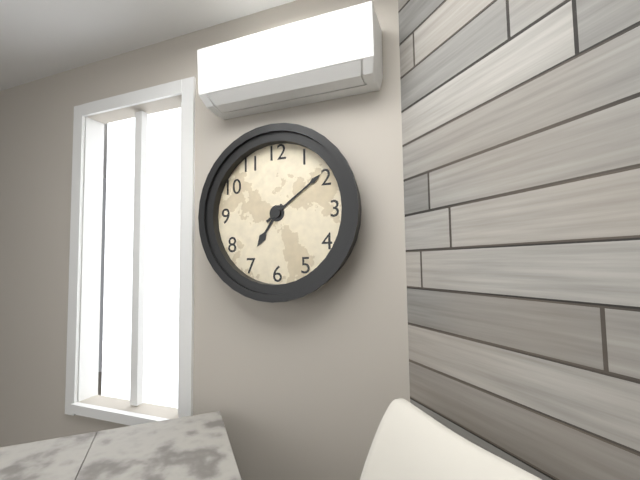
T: 7 h 09 min
